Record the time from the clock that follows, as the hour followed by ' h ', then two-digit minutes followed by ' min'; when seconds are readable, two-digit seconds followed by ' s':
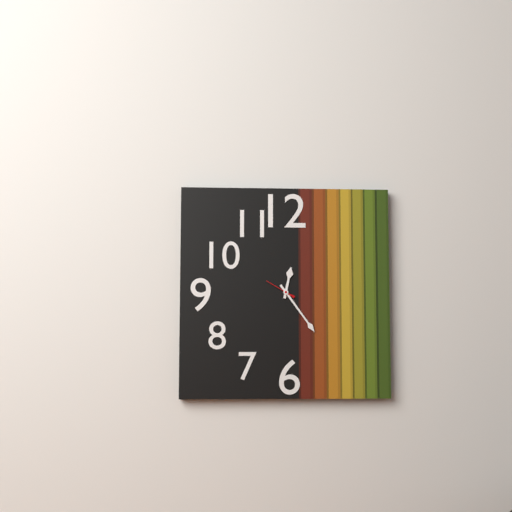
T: 12 h 24 min
